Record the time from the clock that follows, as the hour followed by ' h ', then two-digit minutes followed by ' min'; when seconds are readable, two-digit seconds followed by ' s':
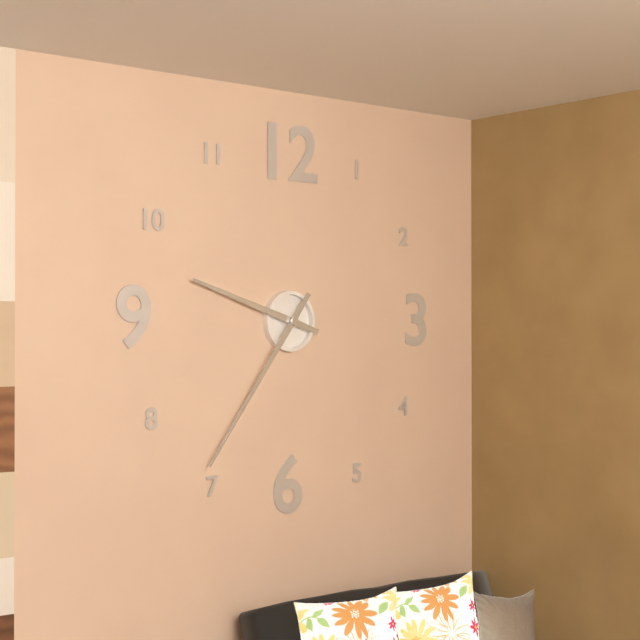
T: 9 h 36 min
